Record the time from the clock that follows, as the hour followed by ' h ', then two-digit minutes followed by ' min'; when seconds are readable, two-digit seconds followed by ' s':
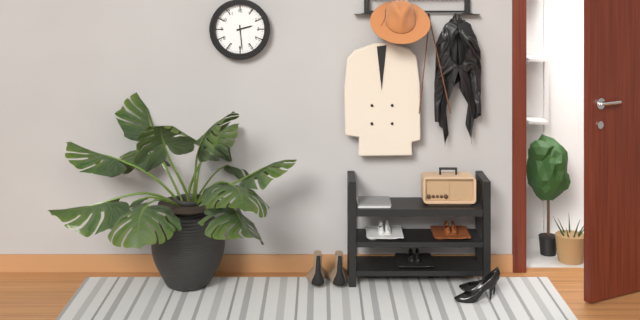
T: 2 h 29 min
